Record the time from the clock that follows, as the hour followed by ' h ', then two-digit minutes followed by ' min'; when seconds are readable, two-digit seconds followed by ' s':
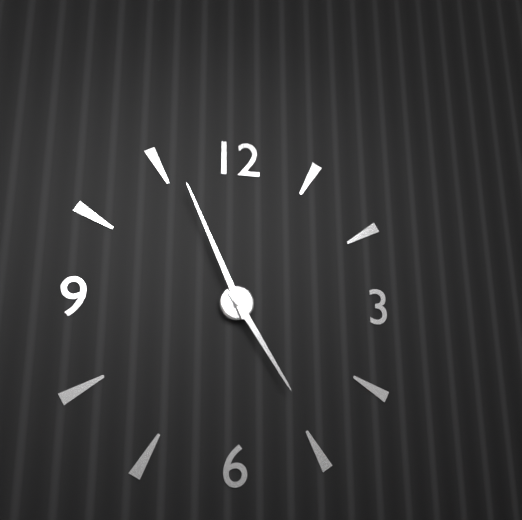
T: 4 h 56 min
